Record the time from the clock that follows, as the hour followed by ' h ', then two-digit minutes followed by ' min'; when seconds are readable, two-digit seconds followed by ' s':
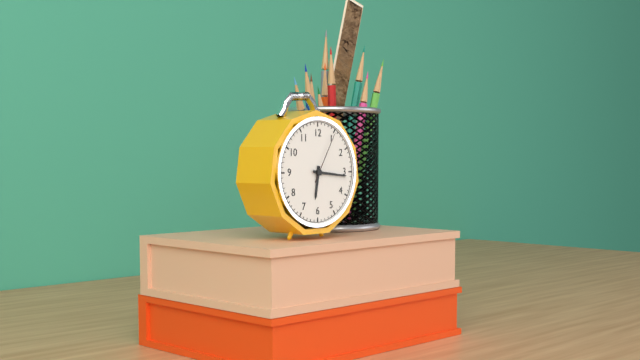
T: 6 h 16 min 05 s
